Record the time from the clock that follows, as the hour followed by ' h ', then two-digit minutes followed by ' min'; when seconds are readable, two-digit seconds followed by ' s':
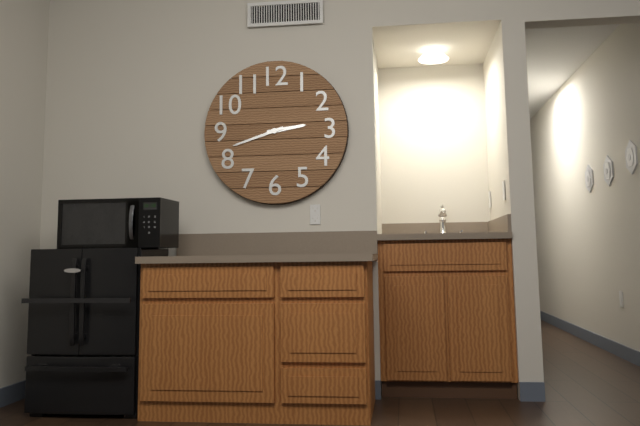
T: 2 h 42 min
